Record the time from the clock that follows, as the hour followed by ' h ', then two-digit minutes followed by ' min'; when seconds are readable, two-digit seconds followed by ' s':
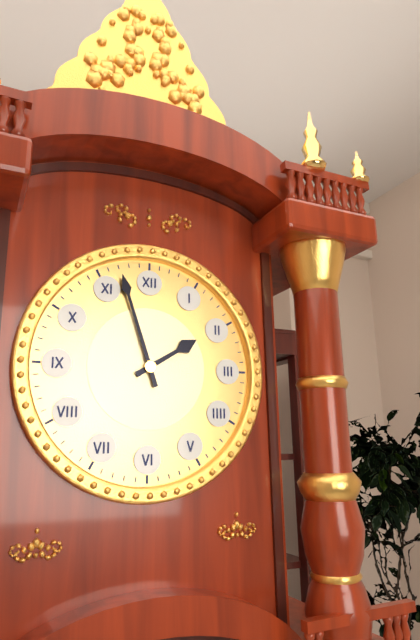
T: 1 h 57 min
